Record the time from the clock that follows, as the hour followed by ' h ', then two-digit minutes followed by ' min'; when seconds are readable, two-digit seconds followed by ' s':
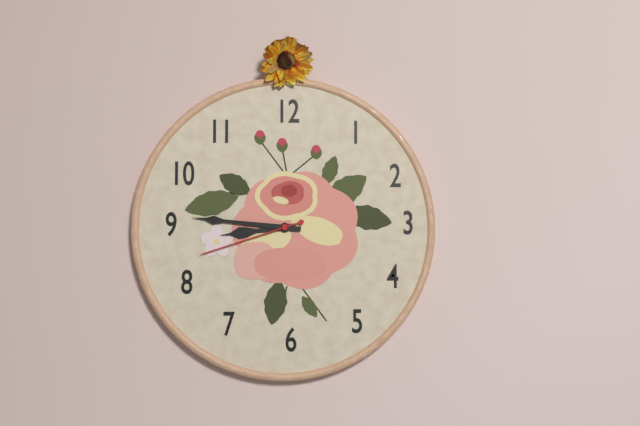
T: 8 h 46 min 42 s
